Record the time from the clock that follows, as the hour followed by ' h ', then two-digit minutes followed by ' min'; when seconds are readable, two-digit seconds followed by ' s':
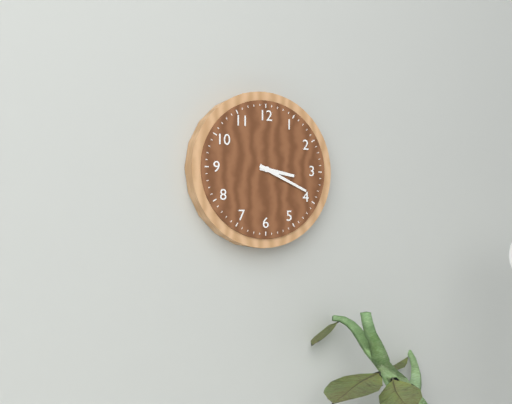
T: 3 h 19 min
